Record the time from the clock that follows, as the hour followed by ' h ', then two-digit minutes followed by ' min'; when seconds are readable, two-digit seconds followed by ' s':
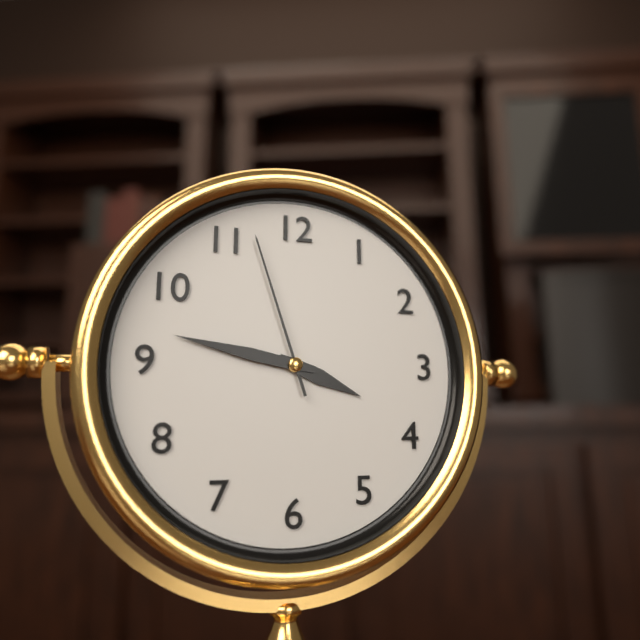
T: 3 h 47 min 57 s
